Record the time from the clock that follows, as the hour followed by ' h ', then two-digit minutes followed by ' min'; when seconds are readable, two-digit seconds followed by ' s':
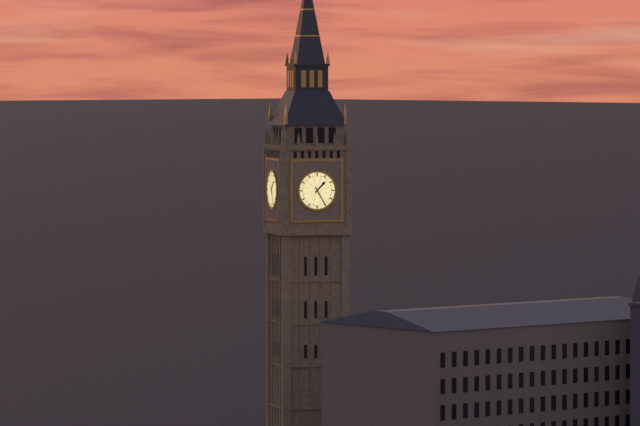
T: 1 h 25 min
